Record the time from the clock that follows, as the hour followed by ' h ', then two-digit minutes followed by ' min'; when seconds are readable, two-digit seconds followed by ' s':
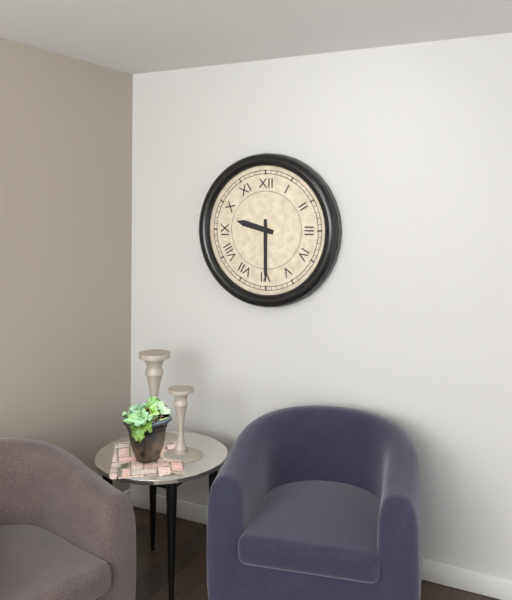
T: 9 h 30 min
